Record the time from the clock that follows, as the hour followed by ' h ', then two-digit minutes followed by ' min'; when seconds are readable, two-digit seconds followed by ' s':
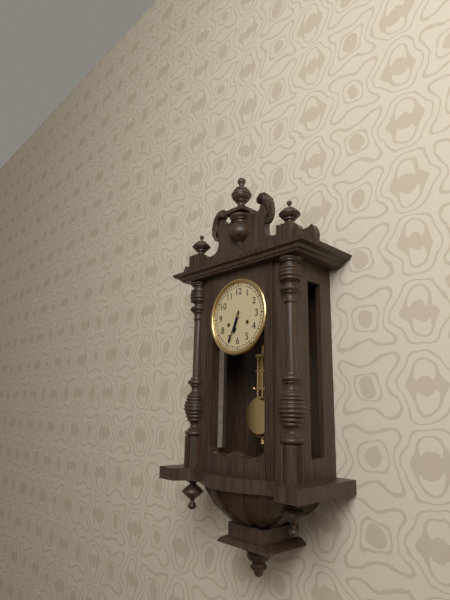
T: 6 h 34 min
